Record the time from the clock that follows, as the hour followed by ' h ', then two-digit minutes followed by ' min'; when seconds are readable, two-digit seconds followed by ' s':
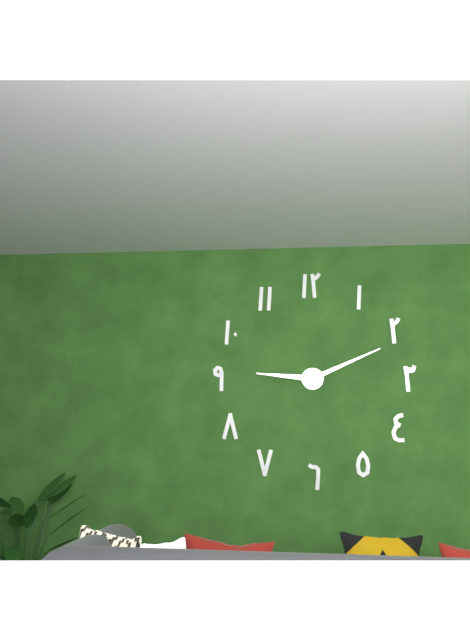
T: 9 h 11 min
